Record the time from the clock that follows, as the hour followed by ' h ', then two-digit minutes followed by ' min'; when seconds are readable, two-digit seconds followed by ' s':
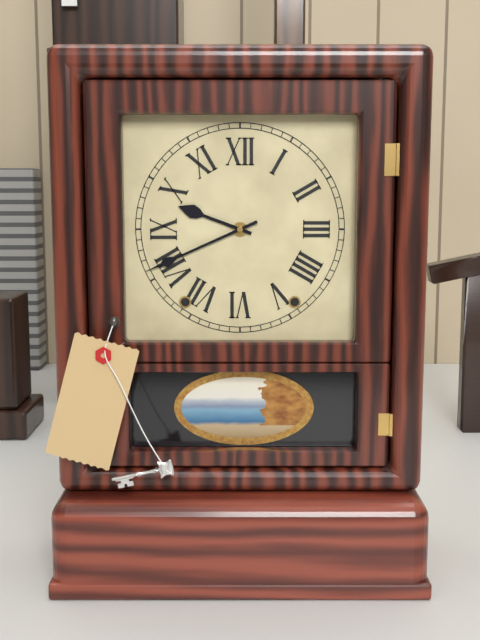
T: 9 h 41 min
